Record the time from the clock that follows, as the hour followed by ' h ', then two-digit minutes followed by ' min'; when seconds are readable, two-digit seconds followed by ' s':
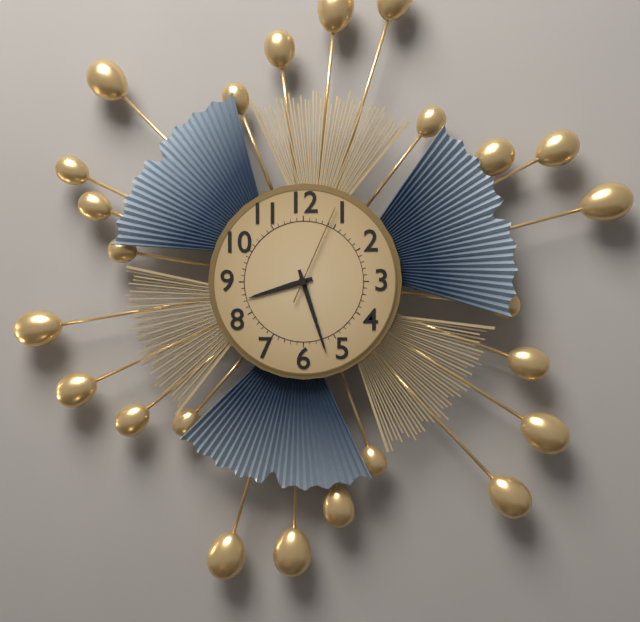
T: 8 h 27 min 04 s
